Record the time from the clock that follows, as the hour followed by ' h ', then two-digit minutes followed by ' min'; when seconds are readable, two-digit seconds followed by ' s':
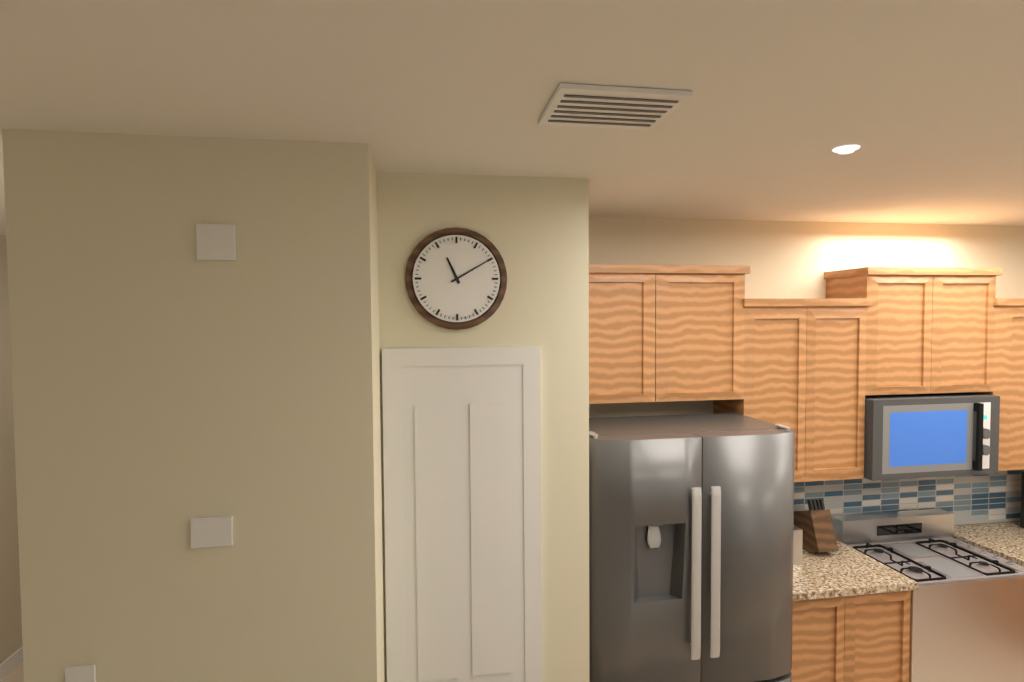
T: 11 h 10 min
